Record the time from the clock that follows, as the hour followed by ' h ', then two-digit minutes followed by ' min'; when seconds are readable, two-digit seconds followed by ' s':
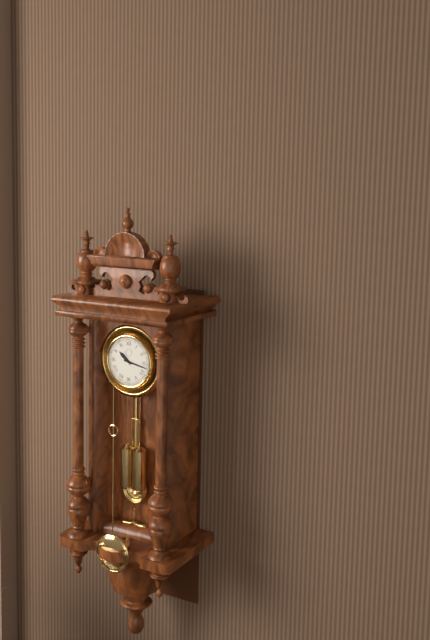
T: 10 h 17 min
